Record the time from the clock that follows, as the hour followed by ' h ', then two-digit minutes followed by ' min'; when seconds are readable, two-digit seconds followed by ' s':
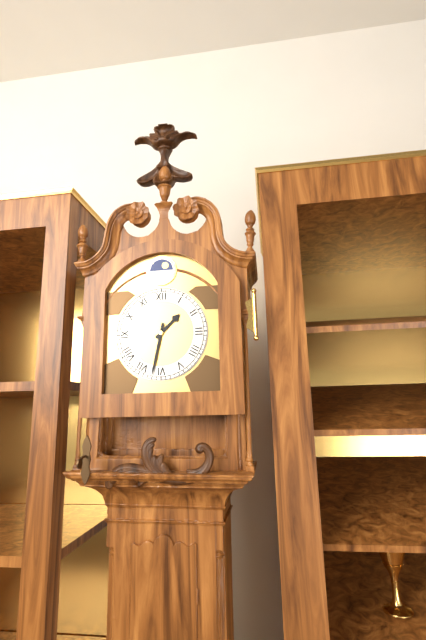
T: 1 h 32 min
